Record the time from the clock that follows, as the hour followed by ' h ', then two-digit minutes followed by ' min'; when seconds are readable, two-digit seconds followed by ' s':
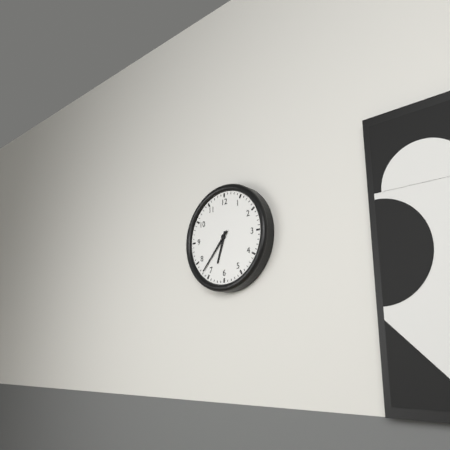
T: 6 h 37 min
